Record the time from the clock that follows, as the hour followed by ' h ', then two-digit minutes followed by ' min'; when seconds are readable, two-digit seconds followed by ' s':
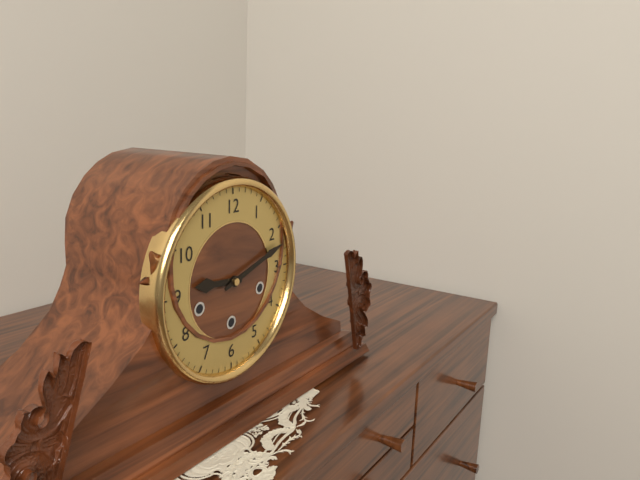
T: 9 h 12 min
